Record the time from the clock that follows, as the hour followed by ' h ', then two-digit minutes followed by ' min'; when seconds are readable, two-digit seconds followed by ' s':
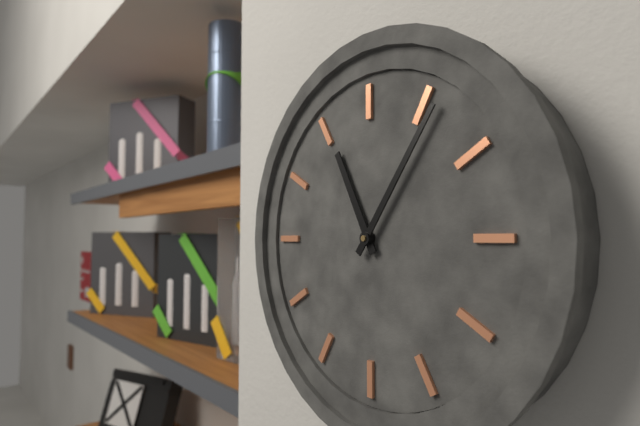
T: 11 h 06 min
